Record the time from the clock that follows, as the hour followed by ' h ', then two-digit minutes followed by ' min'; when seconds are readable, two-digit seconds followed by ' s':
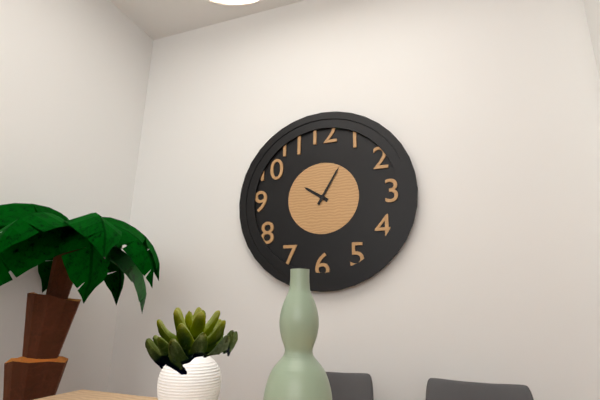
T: 10 h 05 min
